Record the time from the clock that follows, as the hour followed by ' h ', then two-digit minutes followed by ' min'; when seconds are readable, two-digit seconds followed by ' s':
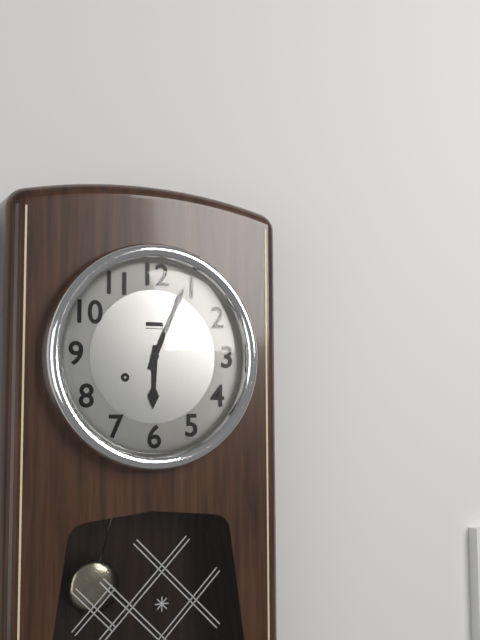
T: 6 h 04 min
